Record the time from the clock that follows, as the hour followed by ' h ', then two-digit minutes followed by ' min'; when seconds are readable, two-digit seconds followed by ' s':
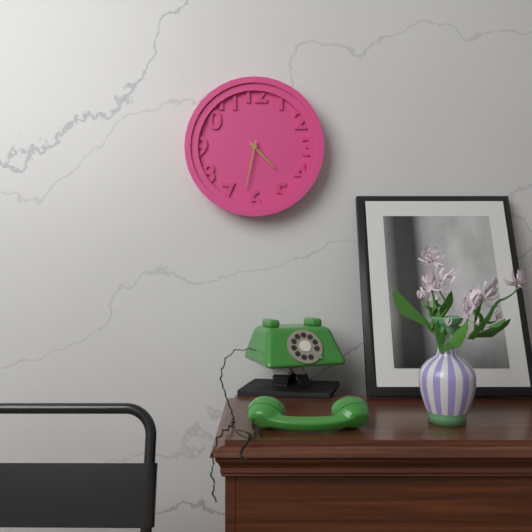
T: 4 h 32 min
